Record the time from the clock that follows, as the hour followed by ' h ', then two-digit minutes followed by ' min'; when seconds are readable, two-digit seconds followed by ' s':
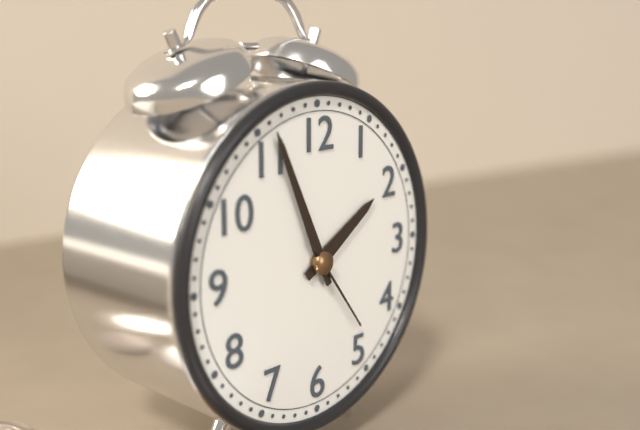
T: 1 h 56 min 24 s
